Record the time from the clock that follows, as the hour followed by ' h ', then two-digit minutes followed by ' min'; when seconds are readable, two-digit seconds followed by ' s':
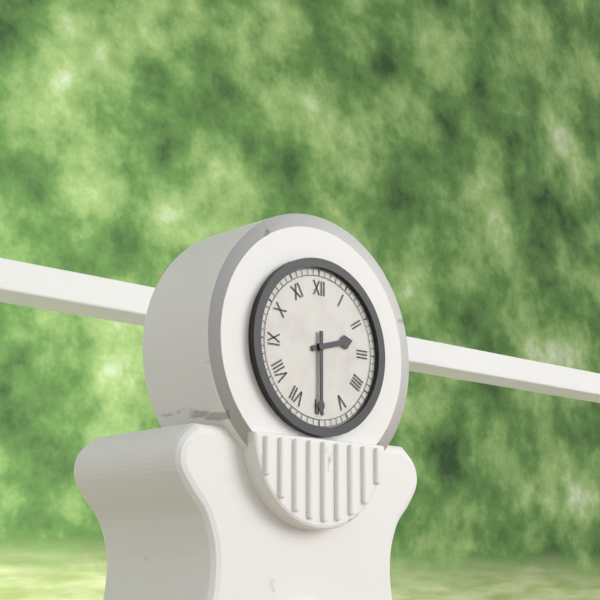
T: 2 h 30 min
